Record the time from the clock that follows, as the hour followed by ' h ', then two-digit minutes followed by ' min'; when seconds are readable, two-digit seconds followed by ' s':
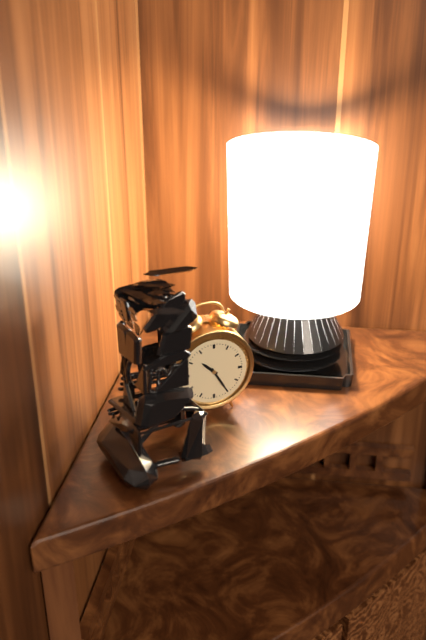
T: 10 h 25 min
